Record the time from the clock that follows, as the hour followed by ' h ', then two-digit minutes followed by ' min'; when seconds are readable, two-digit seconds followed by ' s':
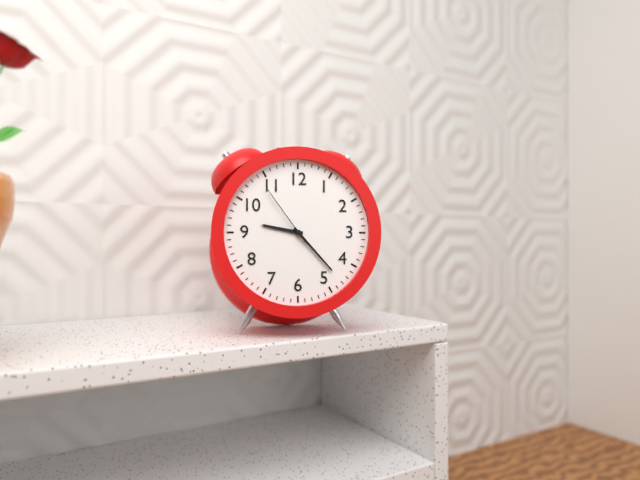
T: 9 h 23 min 54 s
